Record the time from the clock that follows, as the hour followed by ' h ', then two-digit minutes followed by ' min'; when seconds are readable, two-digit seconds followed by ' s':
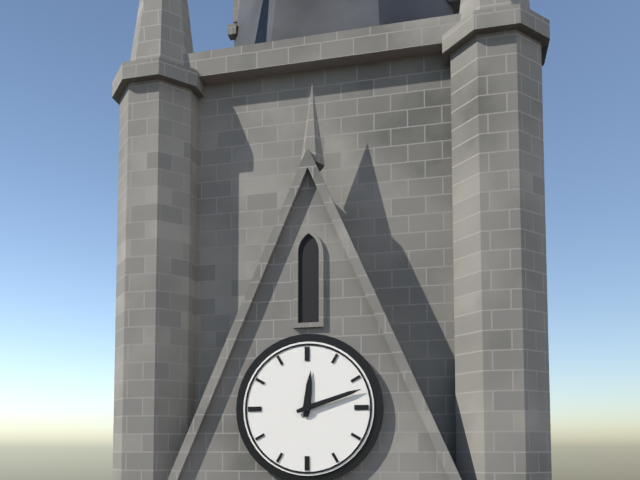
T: 12 h 12 min
